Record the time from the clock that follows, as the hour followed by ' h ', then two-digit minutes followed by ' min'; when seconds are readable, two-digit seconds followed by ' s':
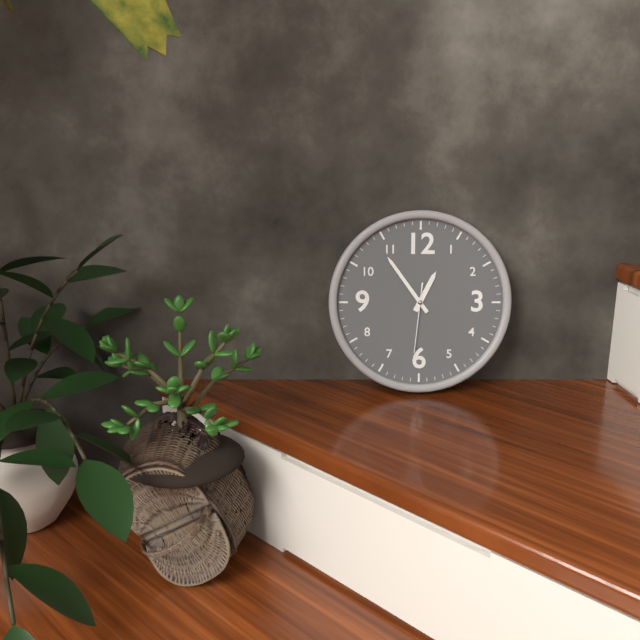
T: 12 h 54 min 31 s
